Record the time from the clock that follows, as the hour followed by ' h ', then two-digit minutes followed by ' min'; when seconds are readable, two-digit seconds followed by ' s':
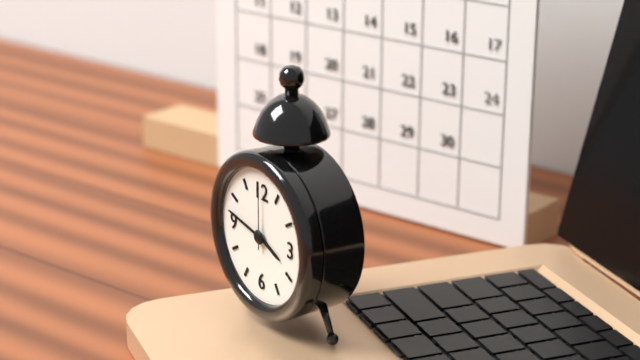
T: 3 h 47 min 00 s
